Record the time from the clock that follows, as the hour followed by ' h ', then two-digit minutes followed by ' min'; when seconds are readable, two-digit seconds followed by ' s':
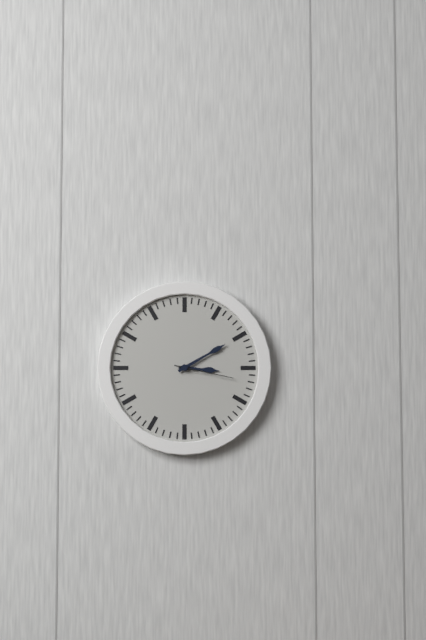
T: 3 h 10 min 17 s
